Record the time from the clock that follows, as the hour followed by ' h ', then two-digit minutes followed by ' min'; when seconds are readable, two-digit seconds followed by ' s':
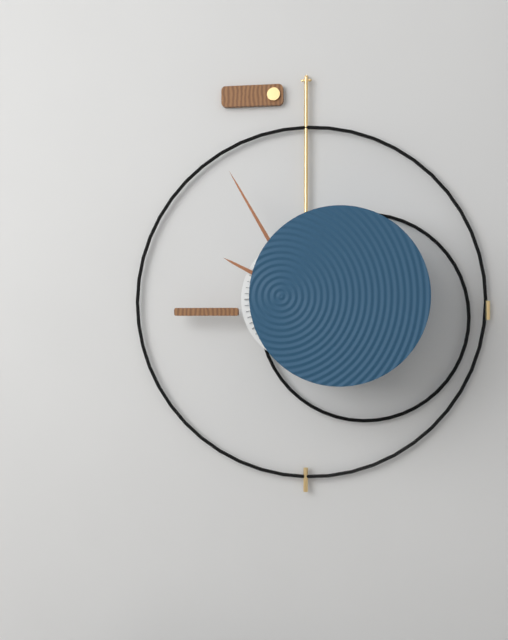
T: 9 h 55 min
